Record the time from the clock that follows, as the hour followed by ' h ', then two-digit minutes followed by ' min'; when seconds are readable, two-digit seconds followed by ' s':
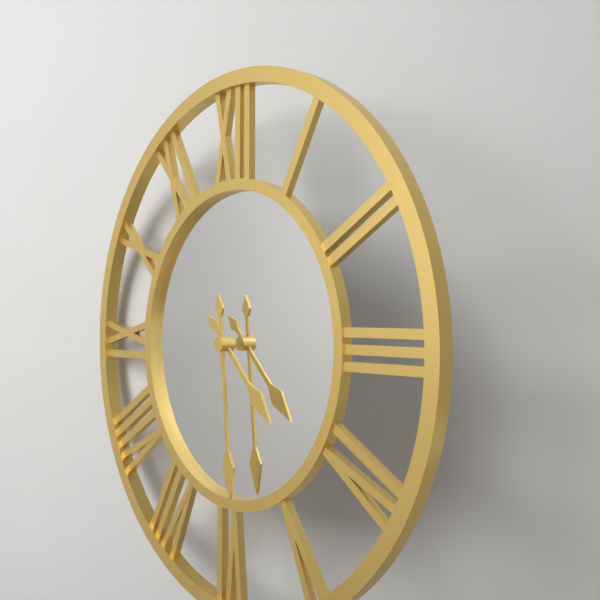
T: 4 h 29 min
